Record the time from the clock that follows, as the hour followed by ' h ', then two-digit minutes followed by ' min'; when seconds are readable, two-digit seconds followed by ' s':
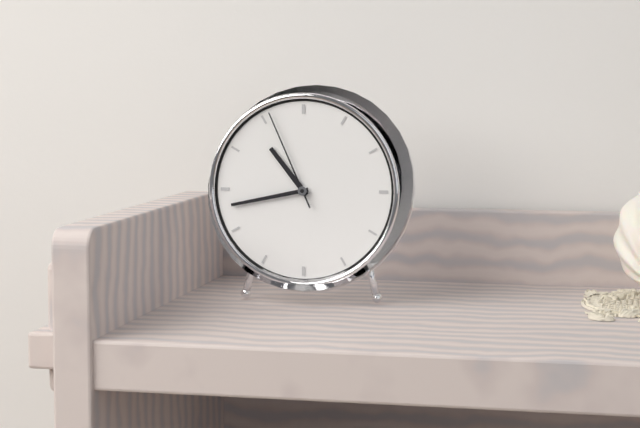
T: 10 h 43 min 56 s
